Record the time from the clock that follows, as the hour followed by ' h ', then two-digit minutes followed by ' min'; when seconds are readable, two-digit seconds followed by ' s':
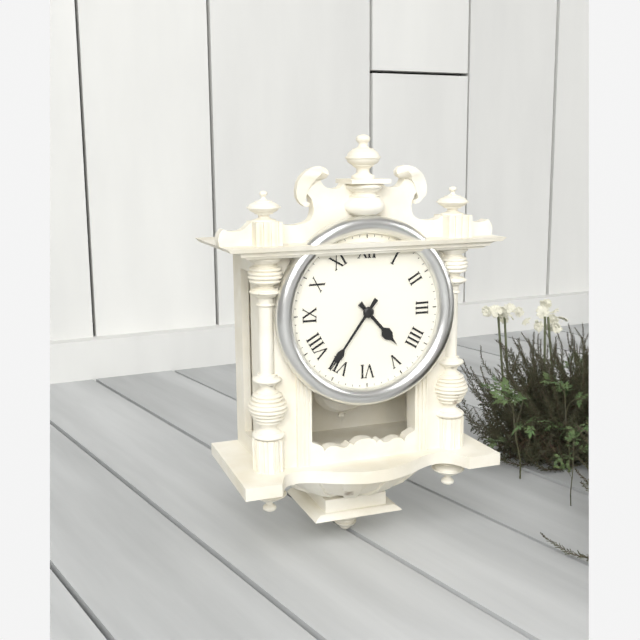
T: 4 h 36 min
